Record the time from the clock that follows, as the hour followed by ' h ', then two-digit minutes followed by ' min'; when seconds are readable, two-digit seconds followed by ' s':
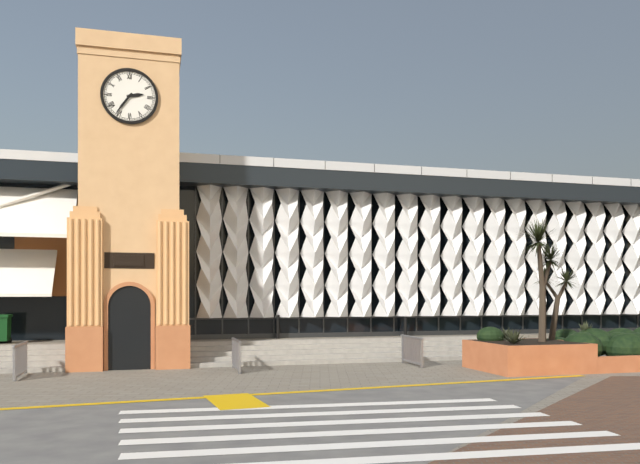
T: 2 h 36 min
